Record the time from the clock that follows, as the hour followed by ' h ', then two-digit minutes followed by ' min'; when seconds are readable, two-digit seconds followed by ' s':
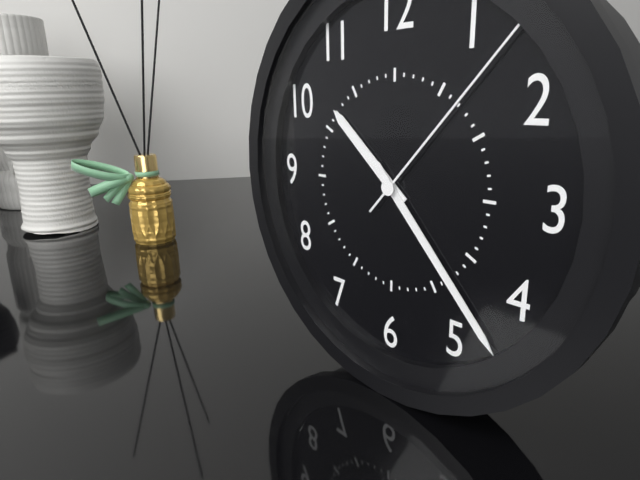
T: 10 h 23 min 07 s
